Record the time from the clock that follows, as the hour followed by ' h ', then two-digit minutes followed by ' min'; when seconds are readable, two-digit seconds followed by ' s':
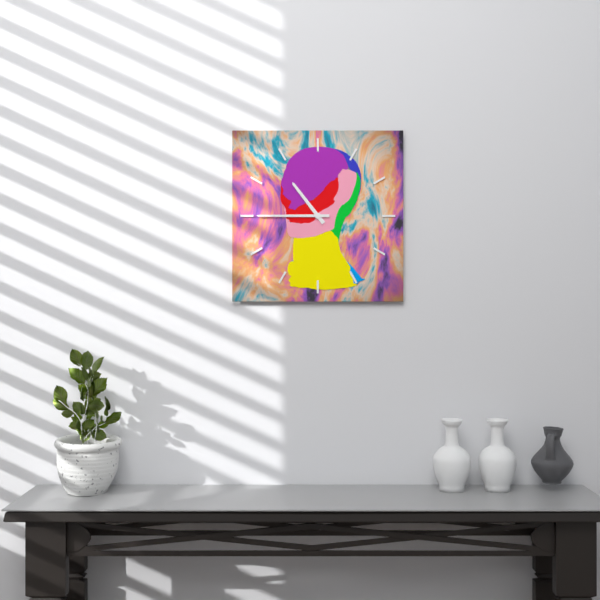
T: 10 h 45 min
